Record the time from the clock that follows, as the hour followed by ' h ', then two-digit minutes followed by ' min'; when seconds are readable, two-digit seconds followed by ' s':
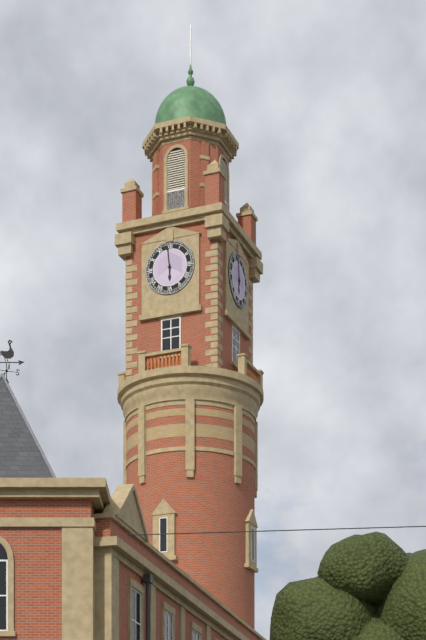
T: 5 h 59 min
